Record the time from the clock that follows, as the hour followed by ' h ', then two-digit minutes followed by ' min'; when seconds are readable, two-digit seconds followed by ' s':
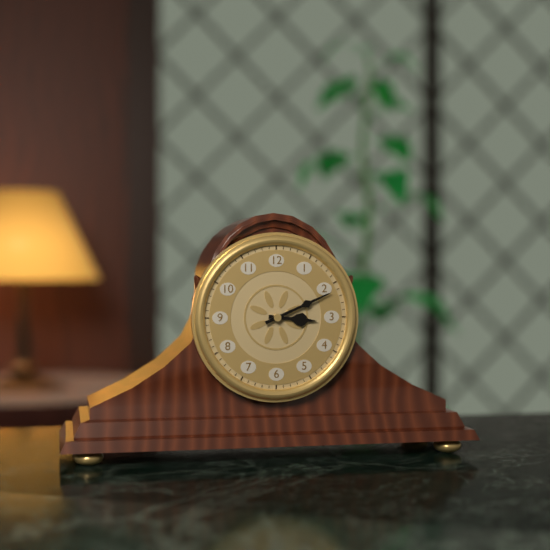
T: 3 h 11 min
